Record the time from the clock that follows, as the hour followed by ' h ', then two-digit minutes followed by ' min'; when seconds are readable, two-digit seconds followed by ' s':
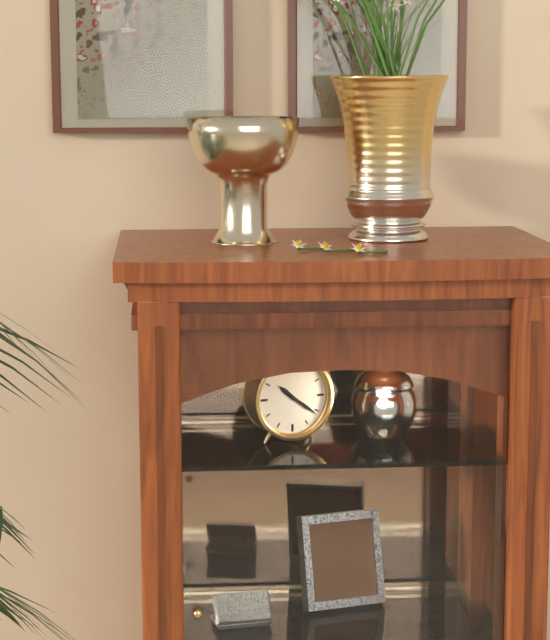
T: 10 h 21 min
